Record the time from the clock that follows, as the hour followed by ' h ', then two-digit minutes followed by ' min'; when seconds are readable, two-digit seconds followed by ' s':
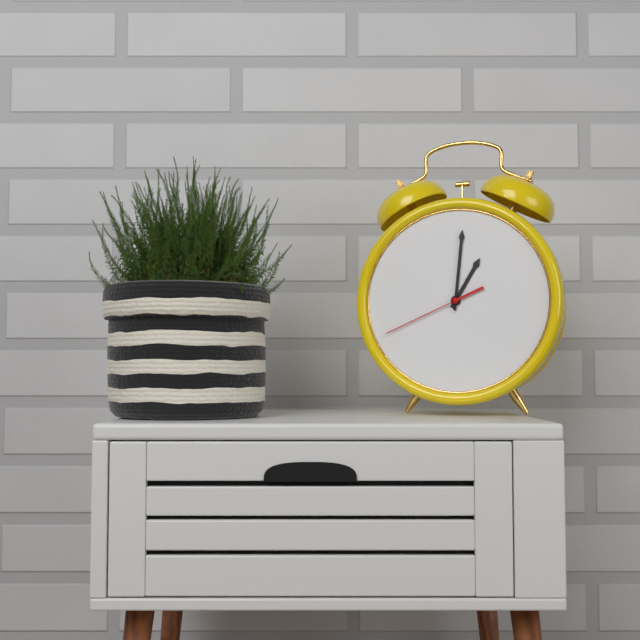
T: 1 h 01 min 41 s
